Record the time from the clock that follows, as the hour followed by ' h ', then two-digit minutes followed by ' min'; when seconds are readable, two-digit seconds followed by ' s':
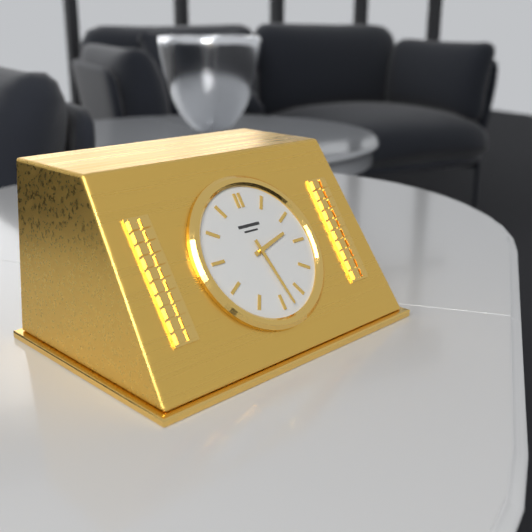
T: 2 h 28 min
